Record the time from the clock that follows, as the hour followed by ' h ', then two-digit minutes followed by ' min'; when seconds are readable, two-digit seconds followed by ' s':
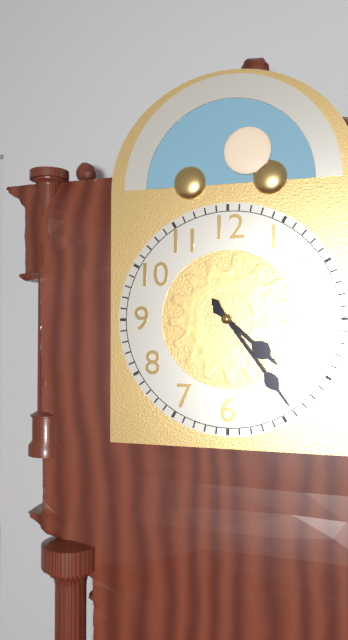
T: 4 h 24 min
